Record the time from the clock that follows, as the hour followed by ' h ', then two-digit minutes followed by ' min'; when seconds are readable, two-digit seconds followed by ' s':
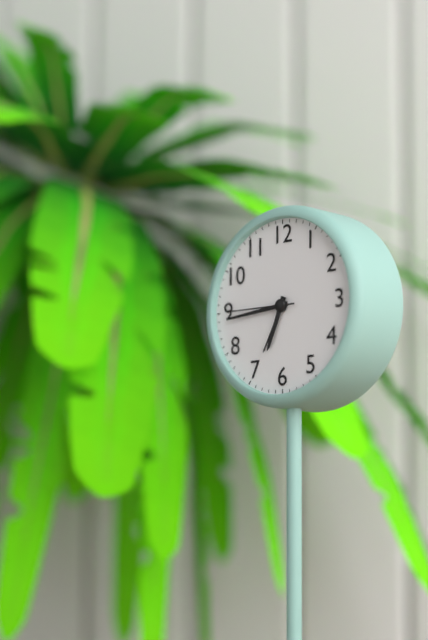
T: 6 h 44 min 45 s
